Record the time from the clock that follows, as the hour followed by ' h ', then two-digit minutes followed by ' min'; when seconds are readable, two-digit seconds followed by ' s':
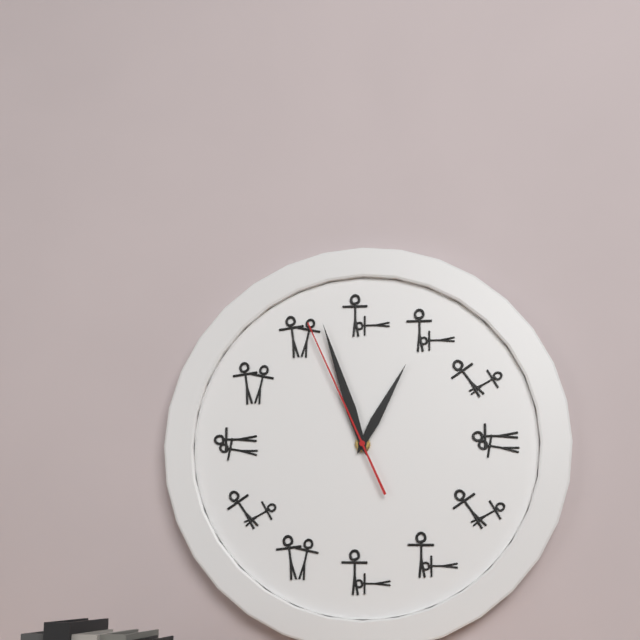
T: 12 h 57 min 56 s
